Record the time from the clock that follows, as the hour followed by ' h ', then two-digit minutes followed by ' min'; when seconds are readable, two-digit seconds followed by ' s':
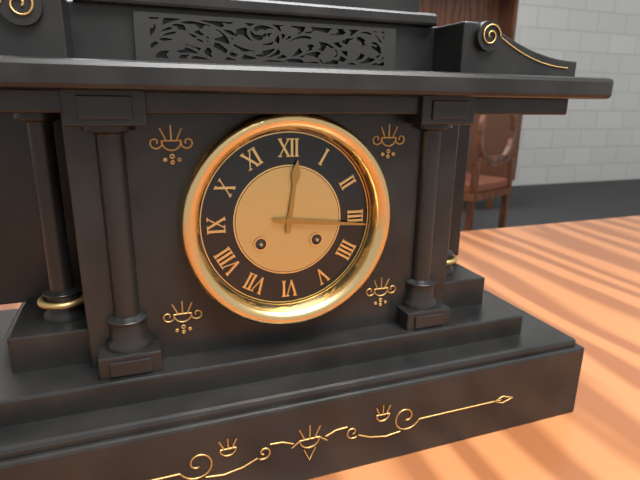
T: 12 h 16 min
